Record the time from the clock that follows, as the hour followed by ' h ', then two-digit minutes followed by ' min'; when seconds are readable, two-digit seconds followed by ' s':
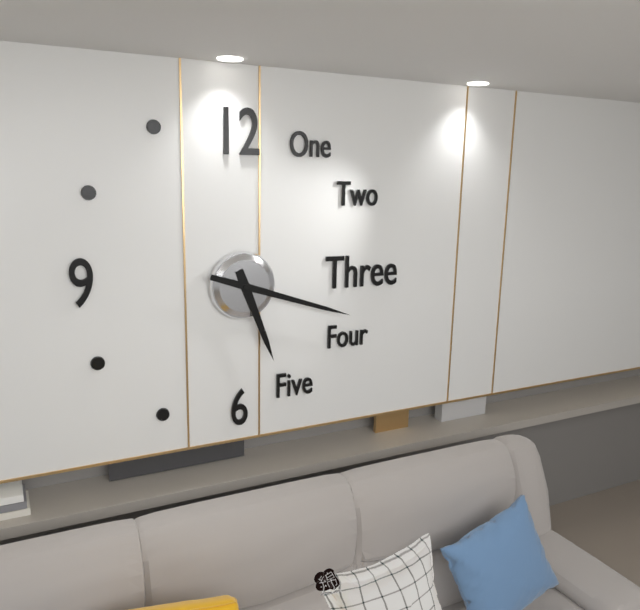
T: 5 h 18 min
